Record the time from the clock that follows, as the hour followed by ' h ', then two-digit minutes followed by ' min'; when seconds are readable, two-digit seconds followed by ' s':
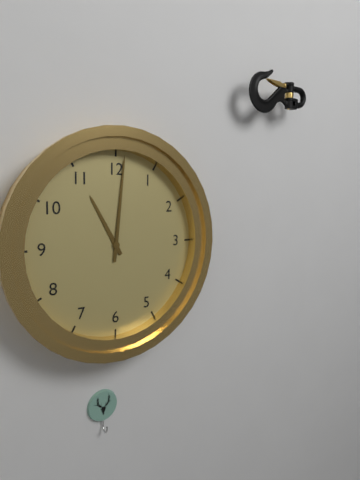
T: 11 h 01 min
